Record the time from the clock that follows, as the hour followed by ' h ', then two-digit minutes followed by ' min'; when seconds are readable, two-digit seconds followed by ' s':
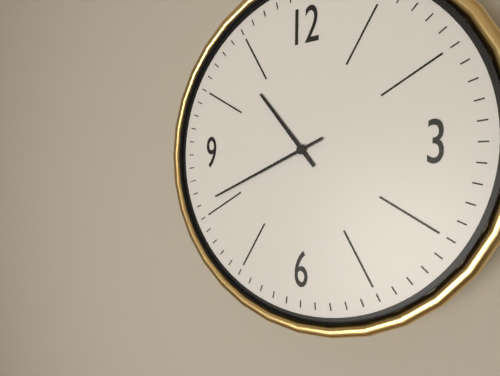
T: 10 h 41 min
